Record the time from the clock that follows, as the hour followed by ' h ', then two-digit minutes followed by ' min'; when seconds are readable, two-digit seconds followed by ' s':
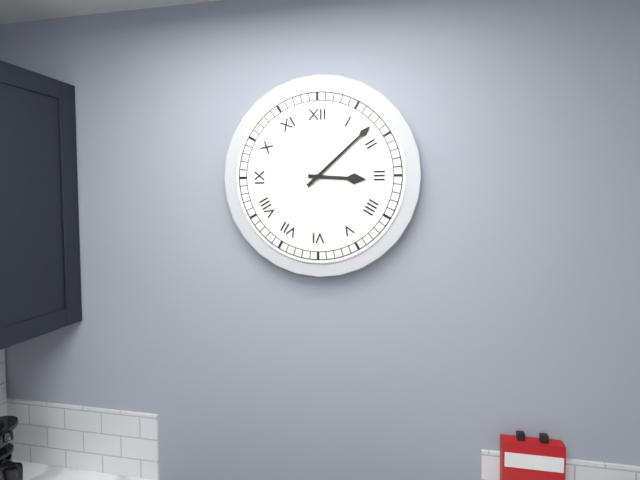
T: 3 h 08 min
